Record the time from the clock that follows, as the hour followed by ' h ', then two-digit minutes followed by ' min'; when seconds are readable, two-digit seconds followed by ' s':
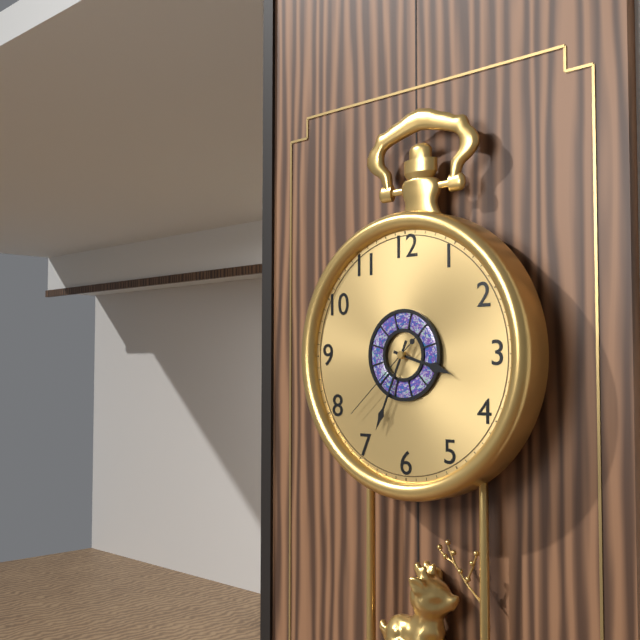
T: 3 h 34 min 38 s
